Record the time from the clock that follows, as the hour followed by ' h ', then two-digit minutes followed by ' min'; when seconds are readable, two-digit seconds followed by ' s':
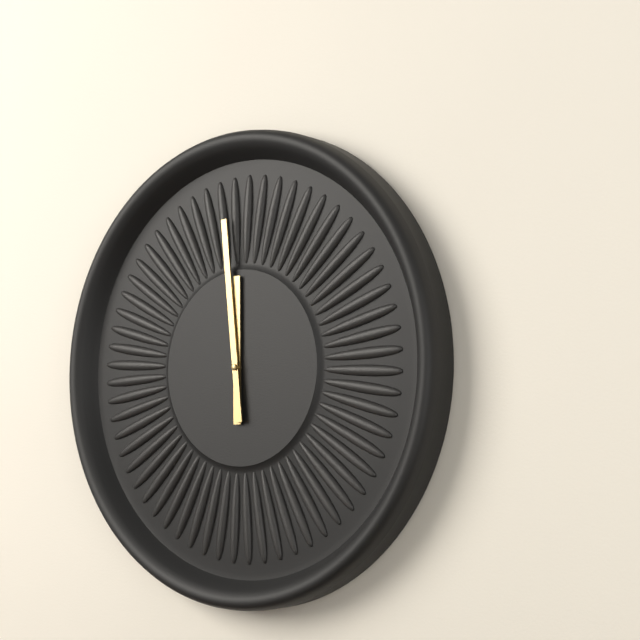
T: 11 h 59 min
